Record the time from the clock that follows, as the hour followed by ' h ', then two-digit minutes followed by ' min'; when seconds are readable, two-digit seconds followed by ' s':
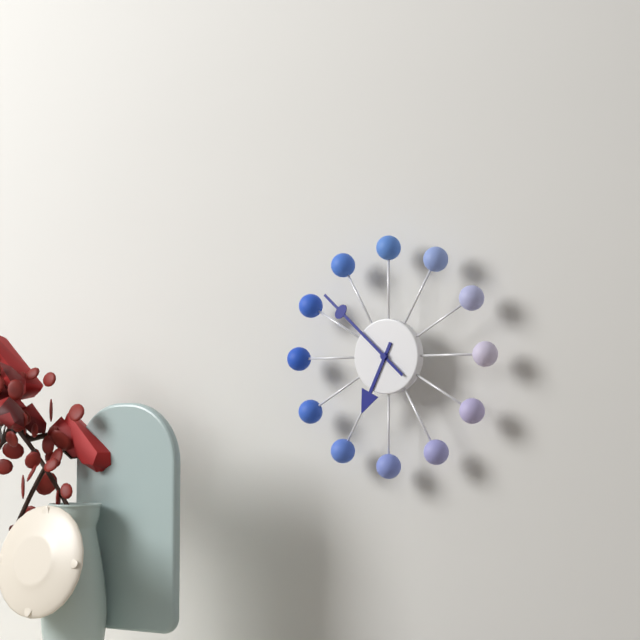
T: 6 h 52 min
